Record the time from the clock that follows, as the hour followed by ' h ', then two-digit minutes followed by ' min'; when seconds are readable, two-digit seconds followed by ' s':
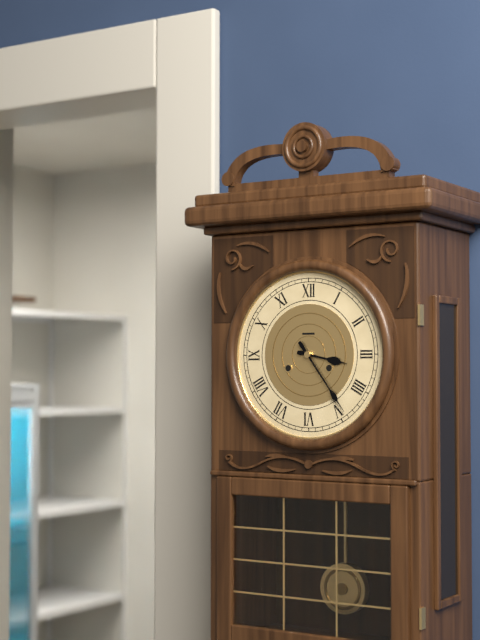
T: 3 h 24 min
